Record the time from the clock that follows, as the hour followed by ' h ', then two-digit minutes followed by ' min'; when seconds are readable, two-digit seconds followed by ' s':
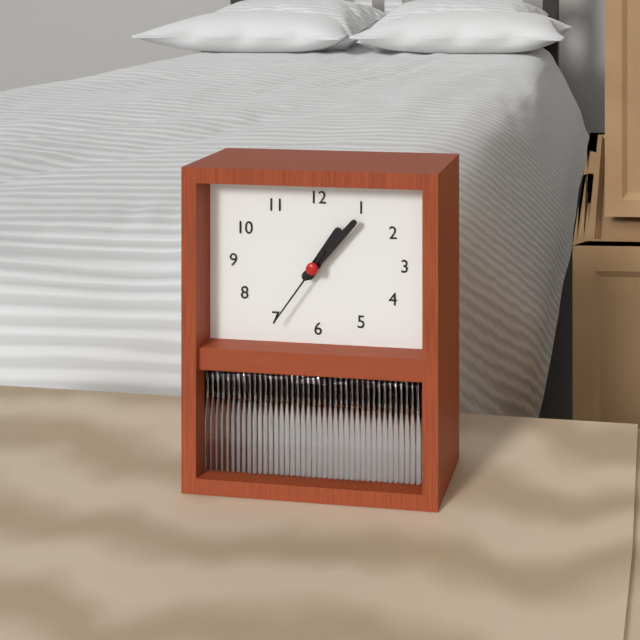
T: 1 h 07 min 36 s
